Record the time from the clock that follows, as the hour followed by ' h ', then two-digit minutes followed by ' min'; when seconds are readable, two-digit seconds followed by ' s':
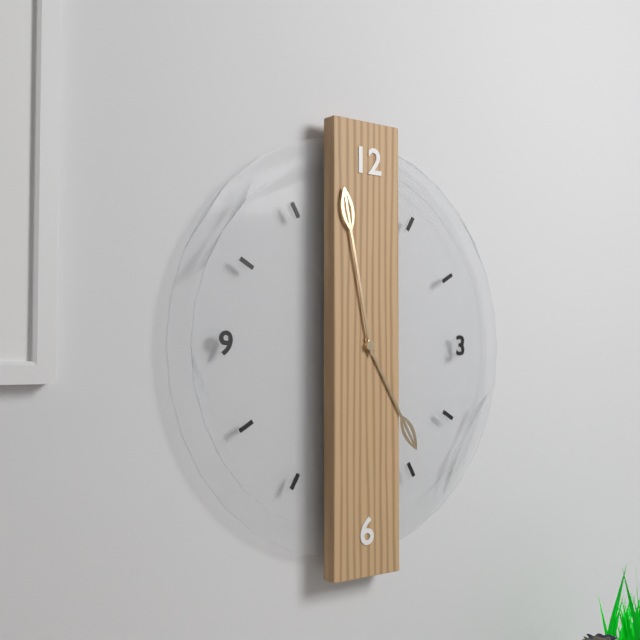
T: 4 h 58 min
